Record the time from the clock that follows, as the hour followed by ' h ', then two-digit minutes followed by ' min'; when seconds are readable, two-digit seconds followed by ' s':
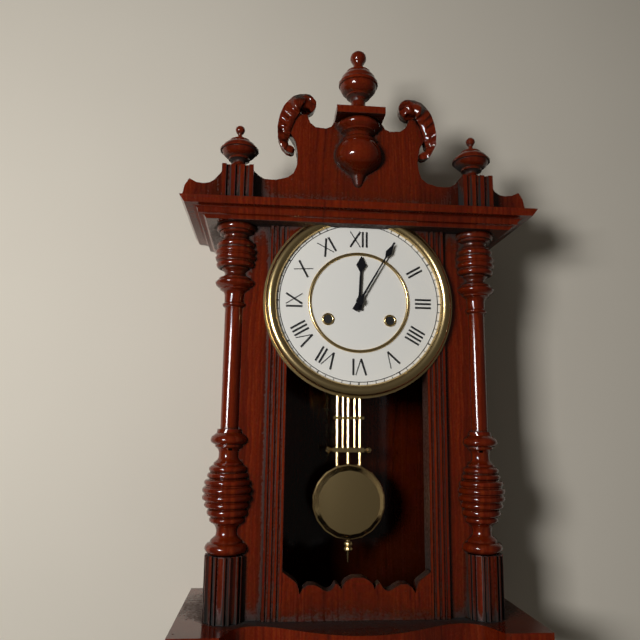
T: 12 h 05 min
